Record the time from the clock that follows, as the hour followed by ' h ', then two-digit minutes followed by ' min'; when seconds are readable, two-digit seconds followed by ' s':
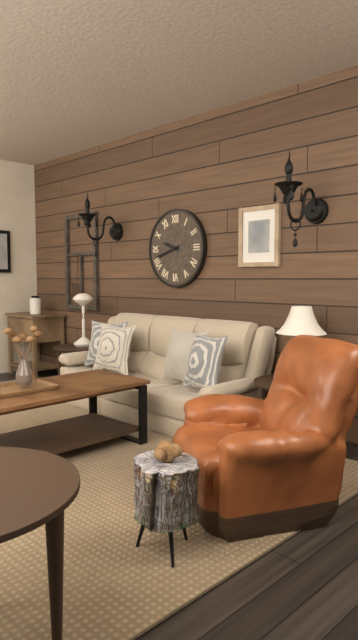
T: 9 h 42 min
